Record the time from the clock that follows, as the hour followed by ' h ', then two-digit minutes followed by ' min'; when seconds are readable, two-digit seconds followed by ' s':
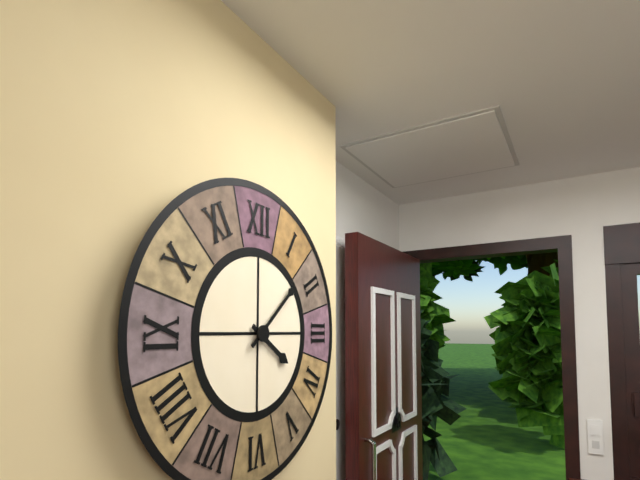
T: 4 h 08 min
